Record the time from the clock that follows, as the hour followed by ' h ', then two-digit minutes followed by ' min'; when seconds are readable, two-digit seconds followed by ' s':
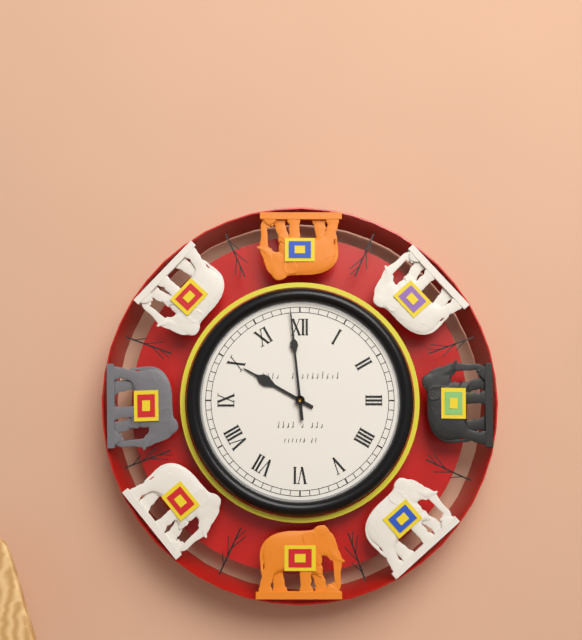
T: 9 h 59 min
